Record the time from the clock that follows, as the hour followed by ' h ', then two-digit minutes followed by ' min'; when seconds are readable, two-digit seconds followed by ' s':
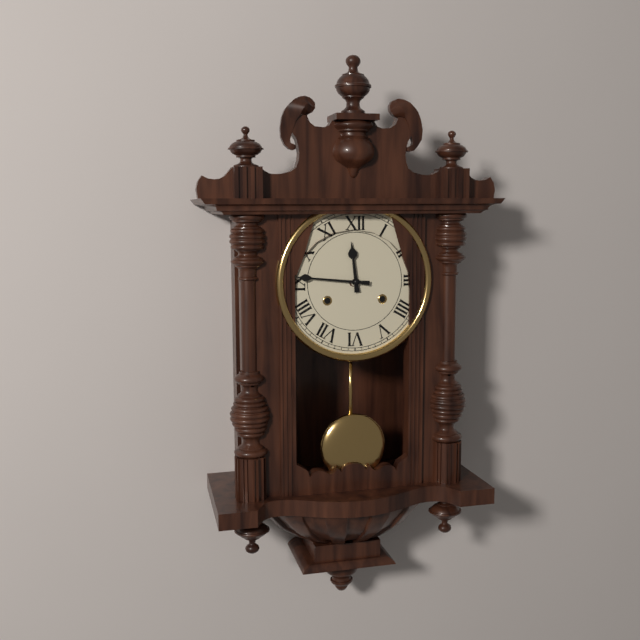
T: 11 h 46 min
